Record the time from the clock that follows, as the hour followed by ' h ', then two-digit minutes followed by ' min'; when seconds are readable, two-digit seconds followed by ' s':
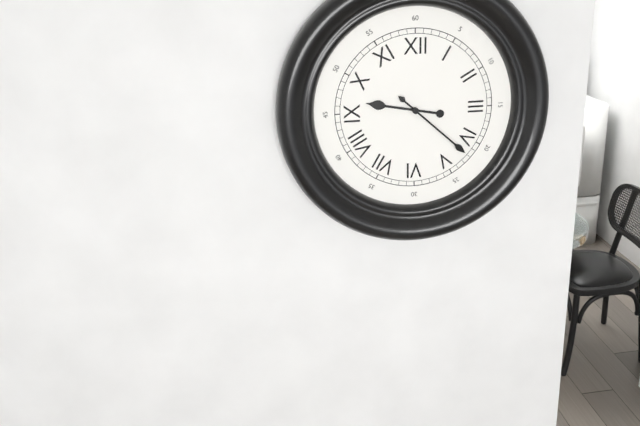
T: 9 h 22 min
